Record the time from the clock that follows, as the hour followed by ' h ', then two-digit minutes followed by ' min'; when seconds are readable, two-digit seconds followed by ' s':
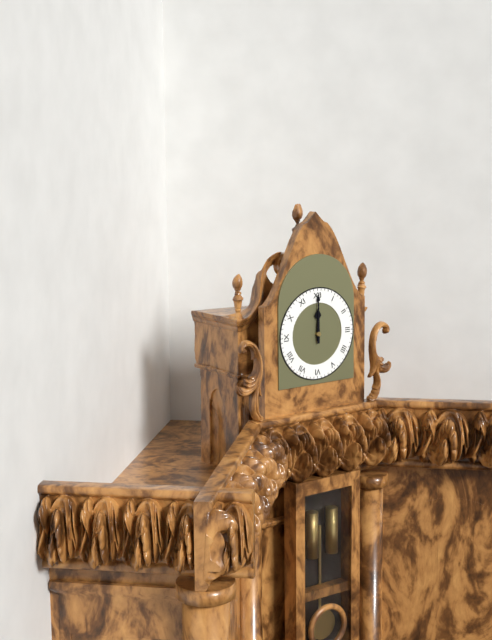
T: 12 h 00 min
